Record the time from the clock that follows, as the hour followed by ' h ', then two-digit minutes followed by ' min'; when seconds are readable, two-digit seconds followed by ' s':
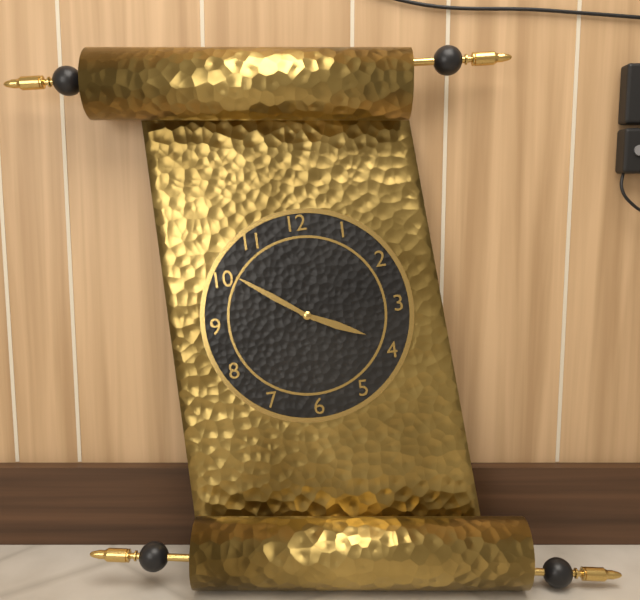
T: 3 h 51 min
